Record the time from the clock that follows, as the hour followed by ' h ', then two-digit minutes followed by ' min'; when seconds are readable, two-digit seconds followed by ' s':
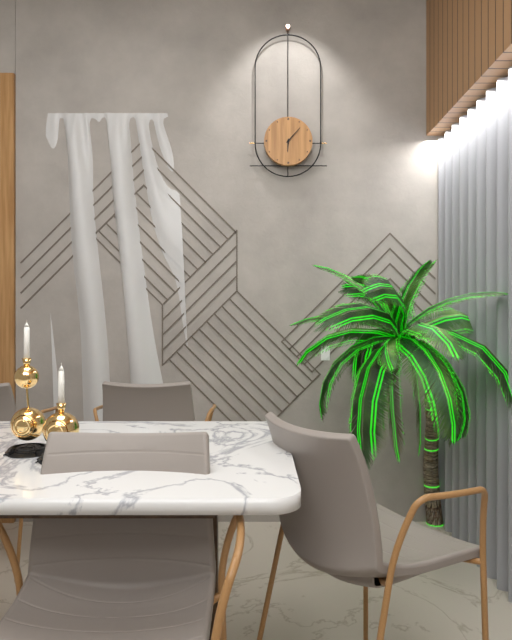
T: 6 h 07 min
